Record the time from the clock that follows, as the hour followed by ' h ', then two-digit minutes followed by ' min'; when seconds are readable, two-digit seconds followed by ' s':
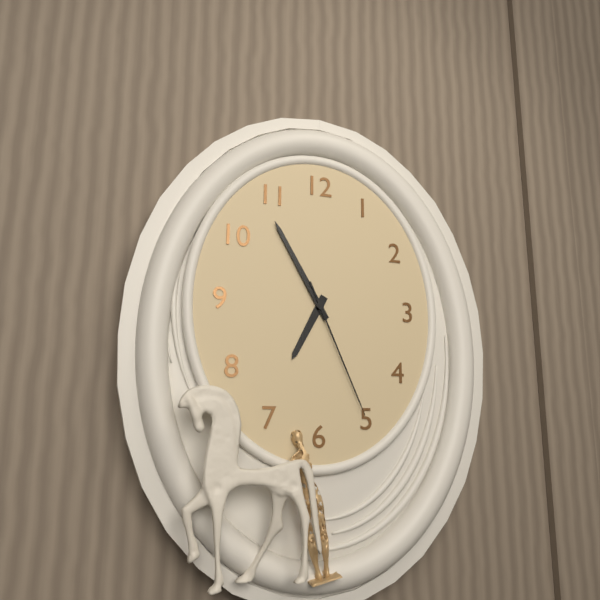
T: 6 h 55 min 26 s
